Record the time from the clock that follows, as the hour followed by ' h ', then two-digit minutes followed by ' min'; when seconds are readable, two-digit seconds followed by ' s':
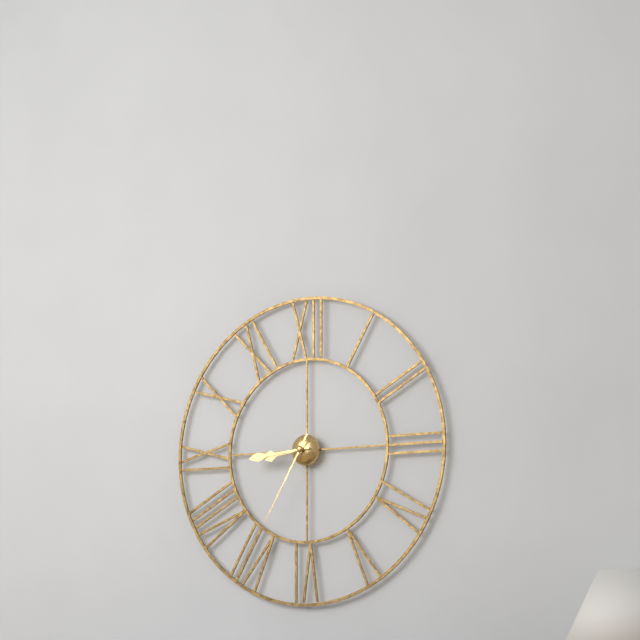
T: 8 h 44 min 35 s
